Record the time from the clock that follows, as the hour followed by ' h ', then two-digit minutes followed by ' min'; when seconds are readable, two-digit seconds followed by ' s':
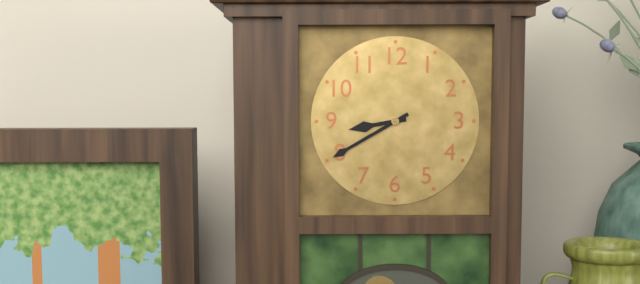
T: 8 h 40 min
